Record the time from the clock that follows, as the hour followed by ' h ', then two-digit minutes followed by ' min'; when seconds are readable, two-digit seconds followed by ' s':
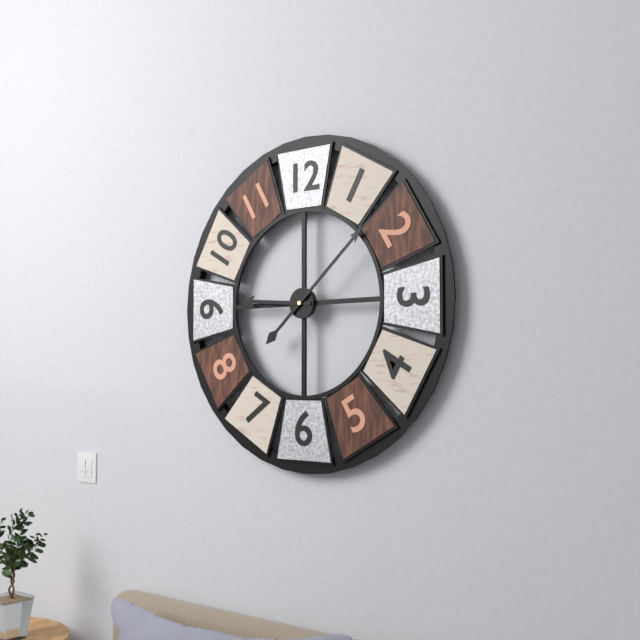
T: 9 h 08 min
